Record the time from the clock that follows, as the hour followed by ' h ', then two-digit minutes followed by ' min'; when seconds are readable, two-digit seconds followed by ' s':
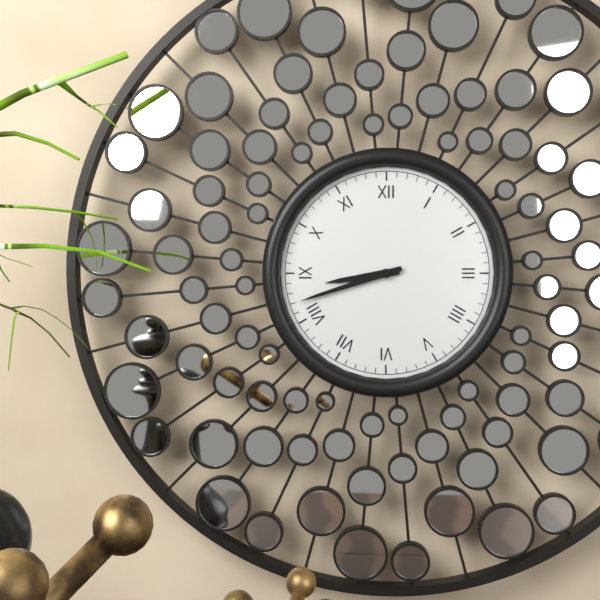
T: 8 h 42 min
